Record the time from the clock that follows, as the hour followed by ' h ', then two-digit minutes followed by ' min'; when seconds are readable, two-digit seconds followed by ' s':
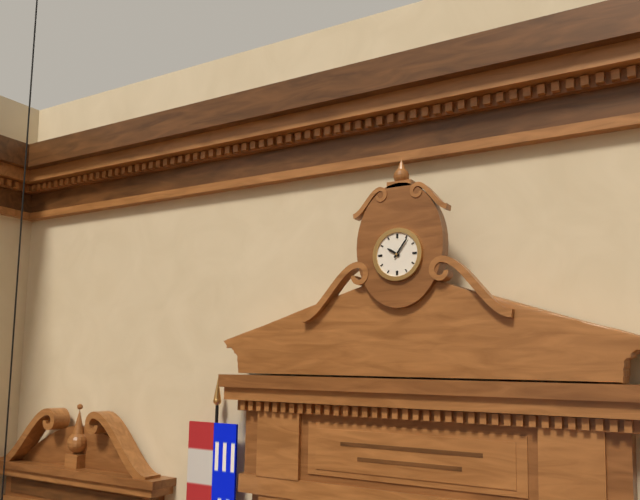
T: 10 h 06 min
